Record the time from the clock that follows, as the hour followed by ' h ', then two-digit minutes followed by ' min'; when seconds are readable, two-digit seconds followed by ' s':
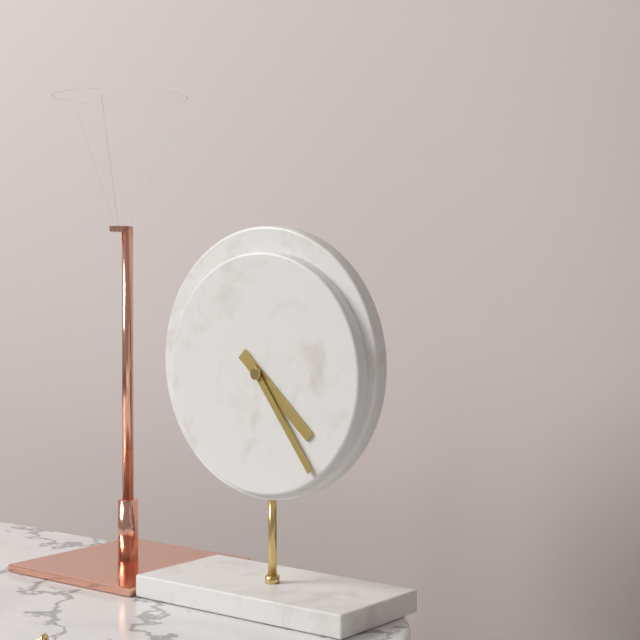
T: 4 h 24 min
